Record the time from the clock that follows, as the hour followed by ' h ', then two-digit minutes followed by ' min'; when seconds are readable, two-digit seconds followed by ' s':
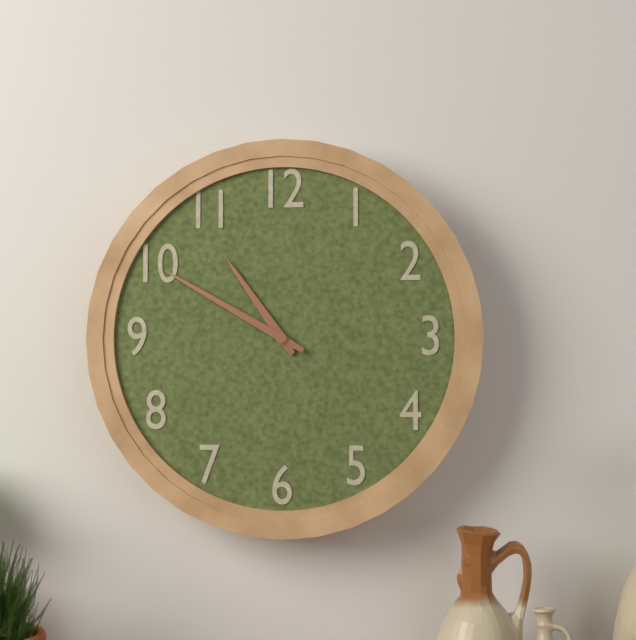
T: 10 h 50 min
